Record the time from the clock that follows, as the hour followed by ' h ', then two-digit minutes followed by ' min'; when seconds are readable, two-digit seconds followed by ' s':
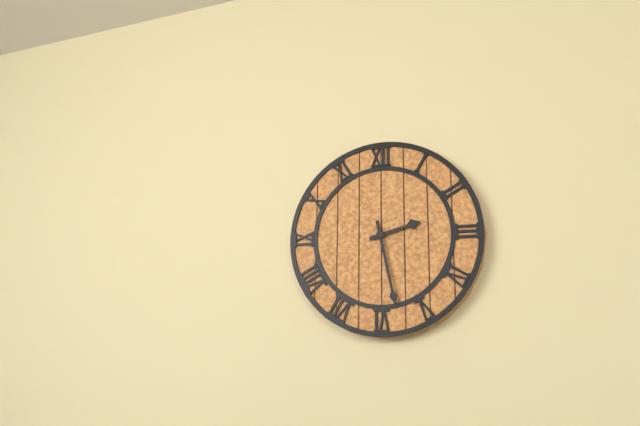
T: 2 h 28 min
